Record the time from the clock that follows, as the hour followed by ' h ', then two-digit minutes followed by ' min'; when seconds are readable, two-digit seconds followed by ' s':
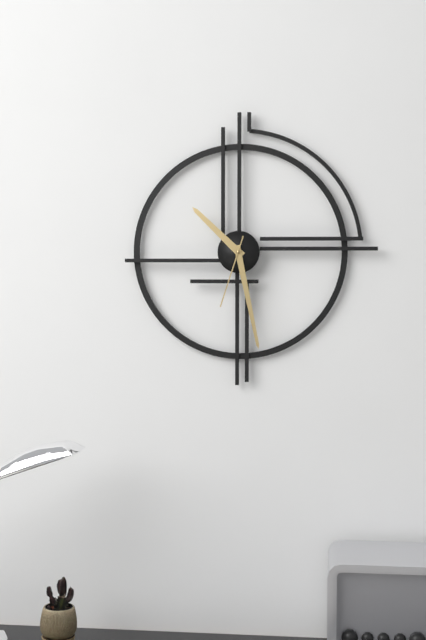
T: 10 h 28 min 33 s
